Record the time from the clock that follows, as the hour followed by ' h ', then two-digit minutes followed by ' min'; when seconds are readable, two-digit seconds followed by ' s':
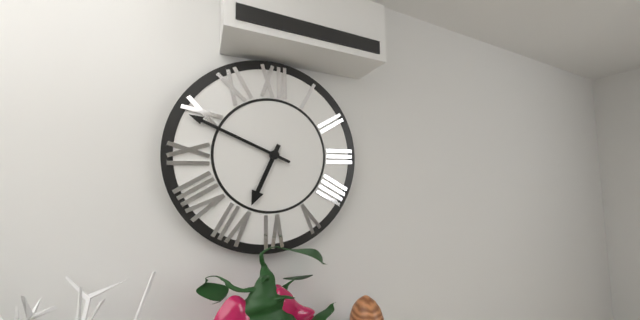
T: 6 h 49 min
